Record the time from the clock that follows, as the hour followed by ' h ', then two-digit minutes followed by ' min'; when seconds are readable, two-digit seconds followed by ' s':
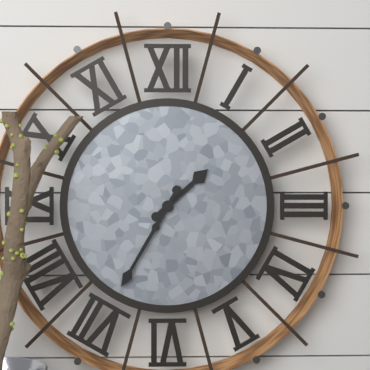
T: 1 h 35 min
